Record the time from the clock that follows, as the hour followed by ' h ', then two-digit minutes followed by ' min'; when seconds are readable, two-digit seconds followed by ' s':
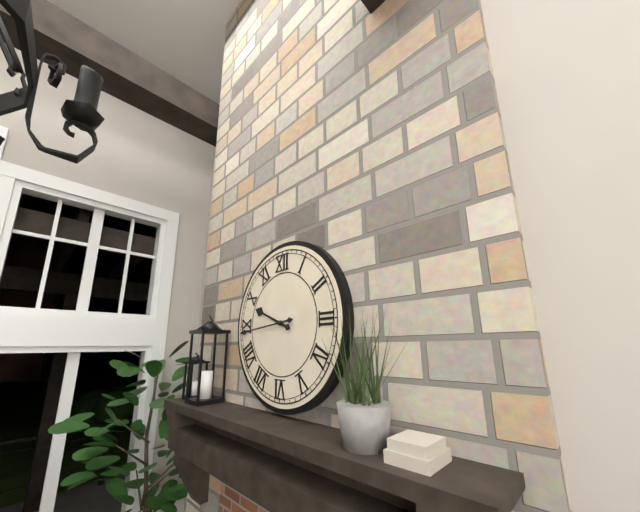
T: 9 h 44 min
